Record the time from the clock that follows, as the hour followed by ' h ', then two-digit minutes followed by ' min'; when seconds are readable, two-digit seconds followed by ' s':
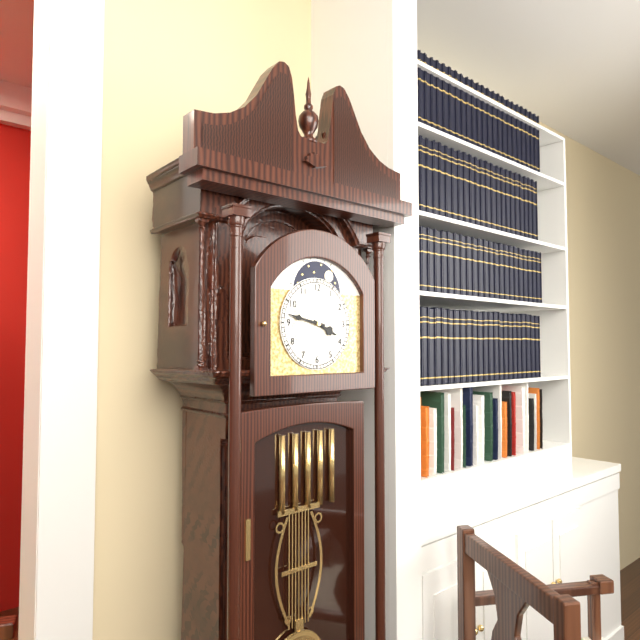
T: 3 h 47 min
